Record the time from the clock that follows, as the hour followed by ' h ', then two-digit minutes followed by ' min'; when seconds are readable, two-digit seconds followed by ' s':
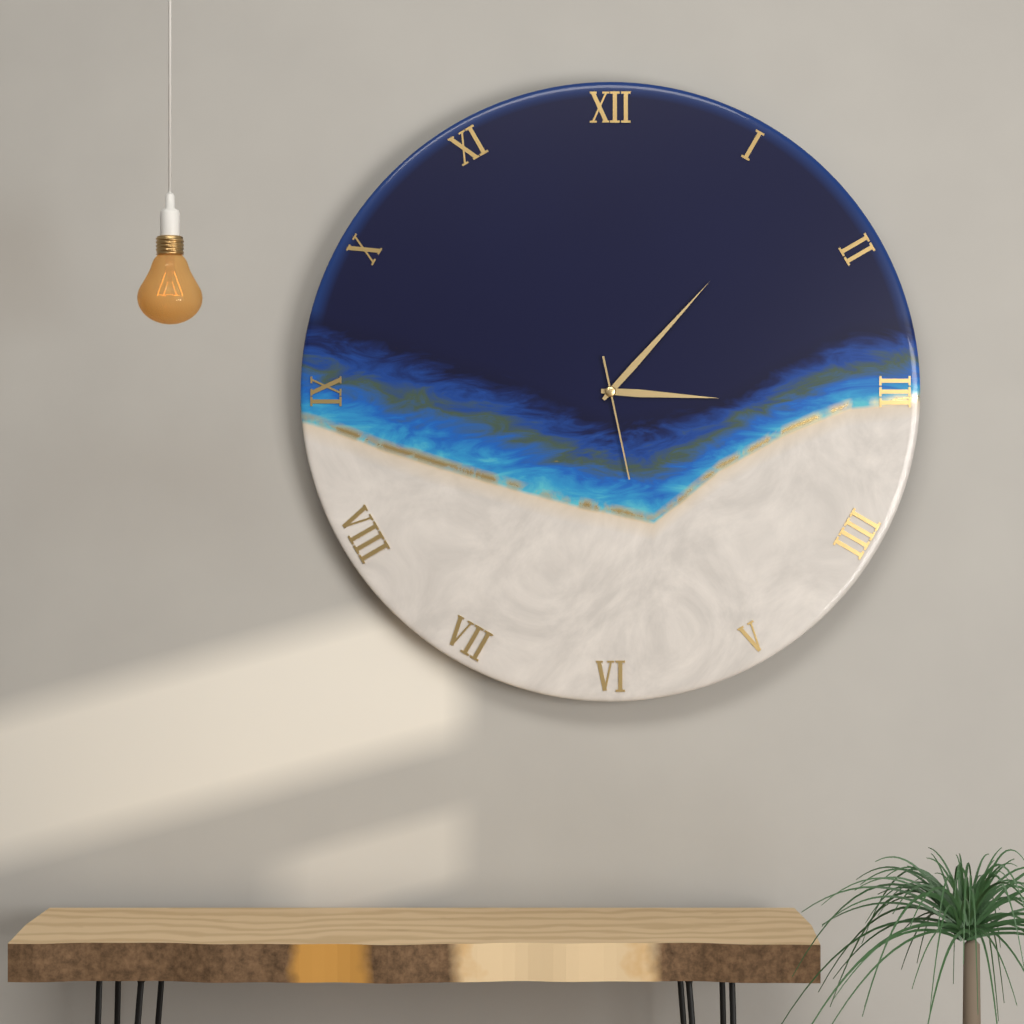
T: 3 h 07 min 28 s
